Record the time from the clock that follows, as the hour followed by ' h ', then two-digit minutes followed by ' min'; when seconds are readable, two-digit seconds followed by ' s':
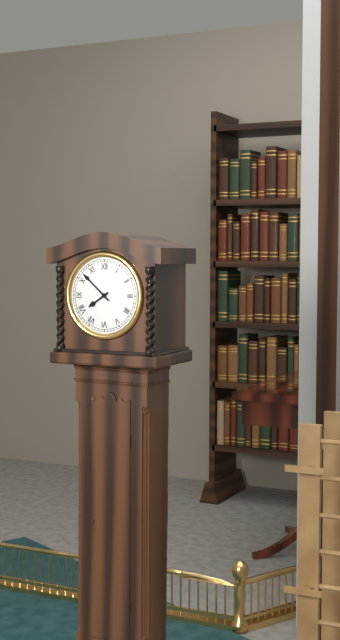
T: 7 h 52 min
